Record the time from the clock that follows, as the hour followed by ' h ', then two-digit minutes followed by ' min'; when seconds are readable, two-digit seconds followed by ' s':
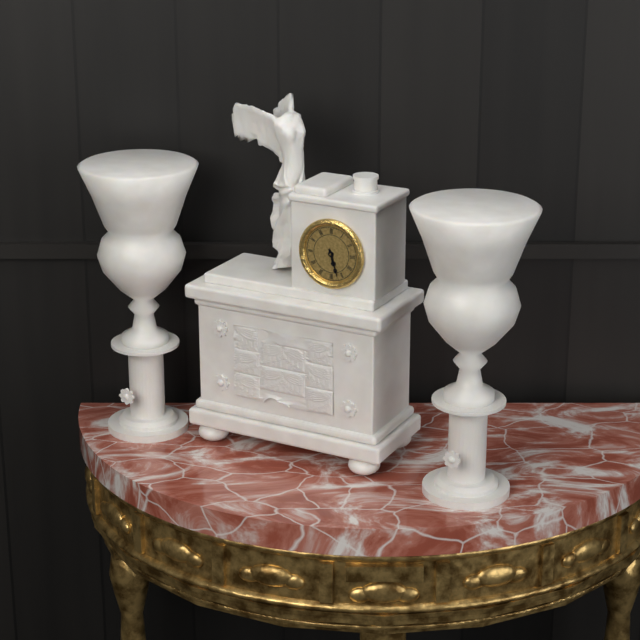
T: 5 h 27 min
